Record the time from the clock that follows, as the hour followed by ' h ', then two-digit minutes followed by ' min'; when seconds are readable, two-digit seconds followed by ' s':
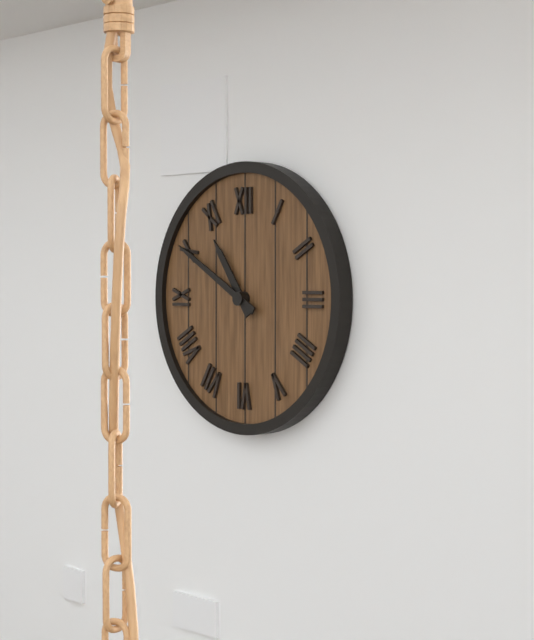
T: 10 h 50 min
